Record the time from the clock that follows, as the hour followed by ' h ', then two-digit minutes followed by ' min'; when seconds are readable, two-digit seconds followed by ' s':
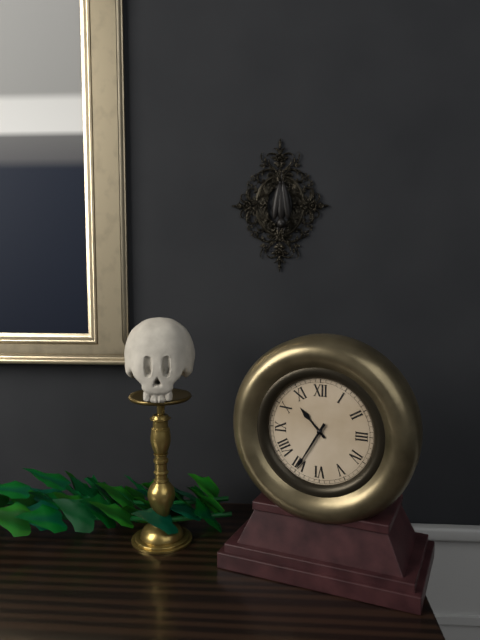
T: 10 h 35 min
